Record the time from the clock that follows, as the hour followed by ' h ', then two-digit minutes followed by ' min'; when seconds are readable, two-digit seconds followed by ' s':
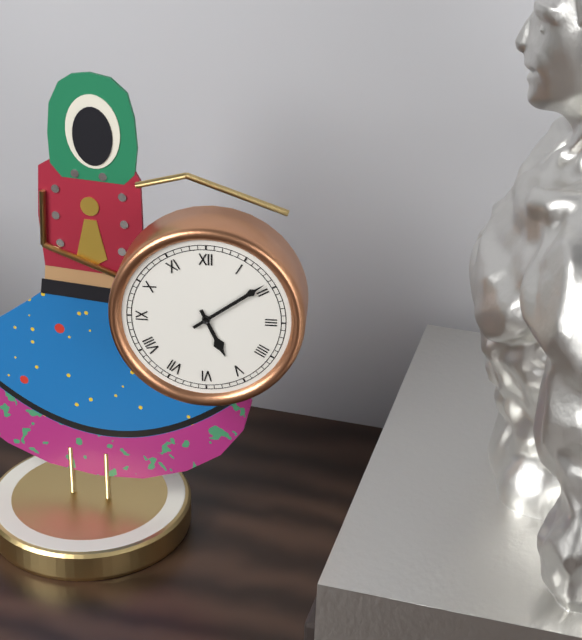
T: 5 h 09 min
